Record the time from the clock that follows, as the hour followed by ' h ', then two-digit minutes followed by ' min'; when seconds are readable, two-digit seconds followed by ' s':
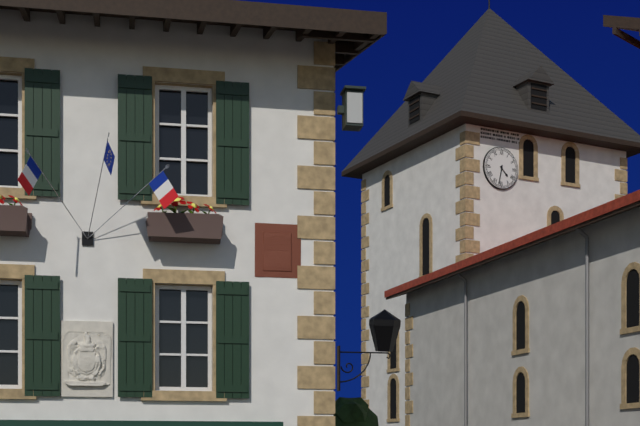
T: 4 h 32 min
